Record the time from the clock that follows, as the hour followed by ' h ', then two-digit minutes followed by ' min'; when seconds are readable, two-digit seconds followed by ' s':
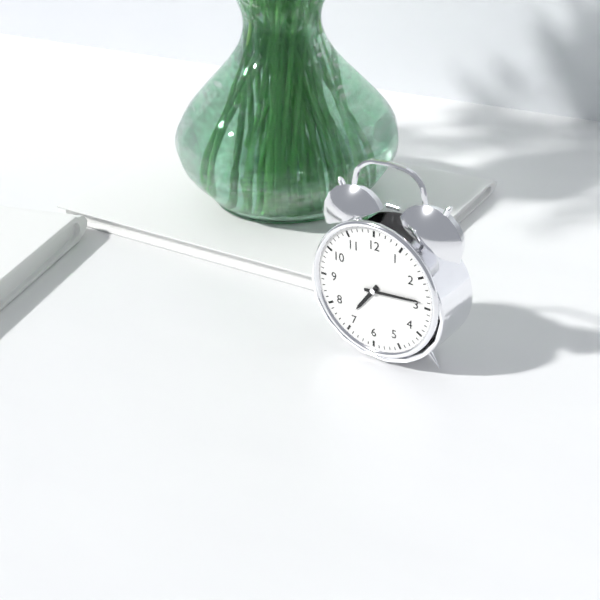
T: 7 h 14 min
